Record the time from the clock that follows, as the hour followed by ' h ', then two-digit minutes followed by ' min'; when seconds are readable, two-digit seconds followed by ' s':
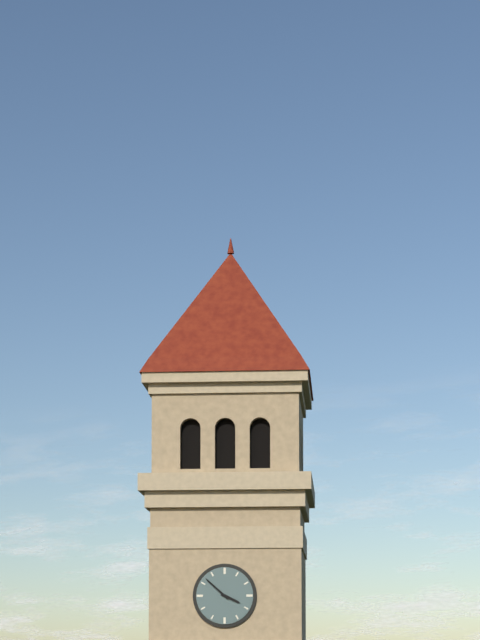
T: 3 h 52 min
